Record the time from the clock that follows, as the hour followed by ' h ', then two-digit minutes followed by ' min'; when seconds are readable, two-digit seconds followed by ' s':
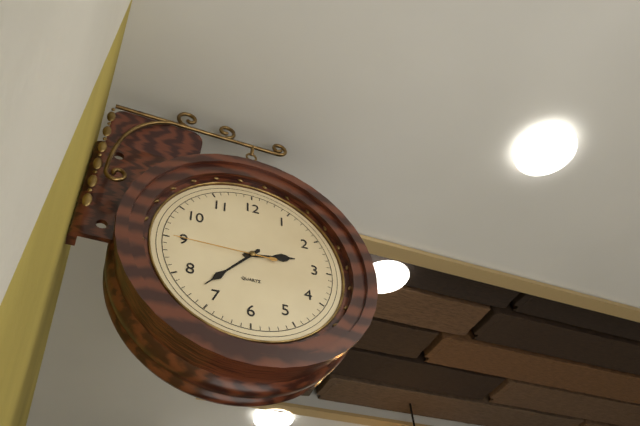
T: 2 h 37 min 45 s
